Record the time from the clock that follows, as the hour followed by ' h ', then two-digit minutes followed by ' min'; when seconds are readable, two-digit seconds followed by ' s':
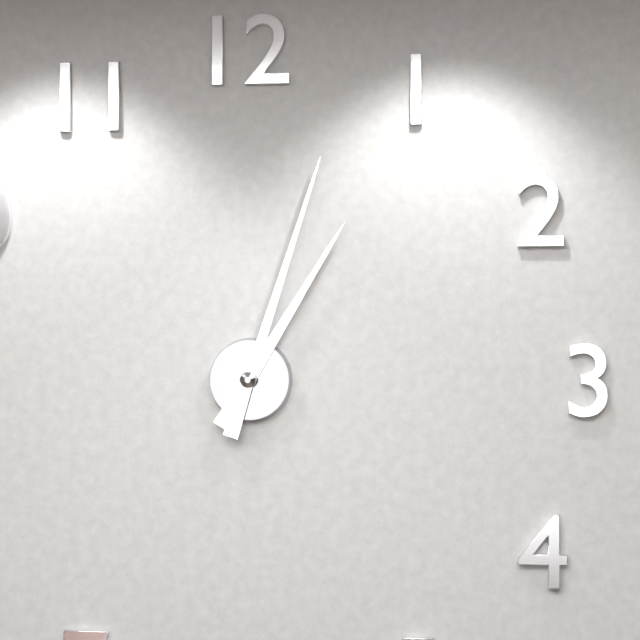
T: 1 h 03 min
